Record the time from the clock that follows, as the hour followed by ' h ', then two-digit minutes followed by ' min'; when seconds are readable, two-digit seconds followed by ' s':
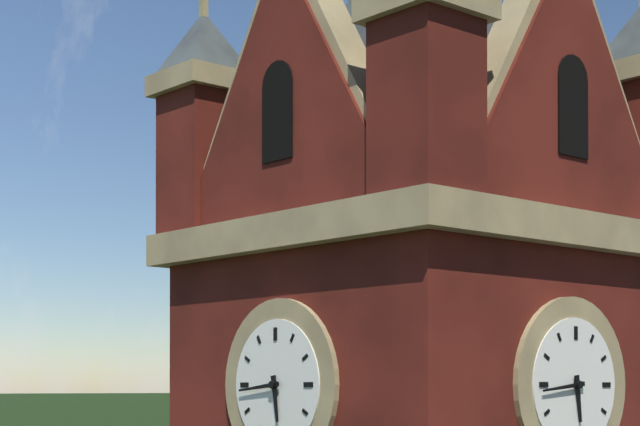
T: 5 h 44 min
